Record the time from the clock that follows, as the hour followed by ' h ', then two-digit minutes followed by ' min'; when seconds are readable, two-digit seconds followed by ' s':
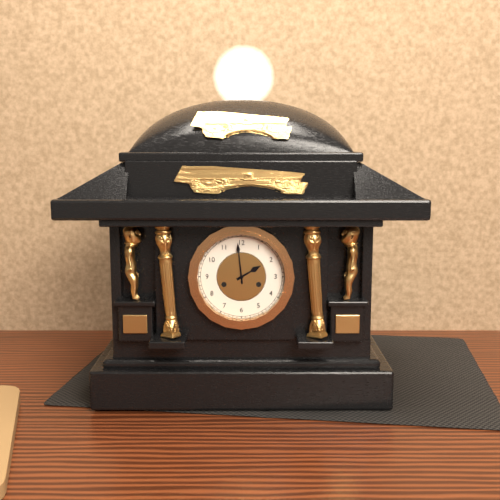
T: 1 h 59 min
